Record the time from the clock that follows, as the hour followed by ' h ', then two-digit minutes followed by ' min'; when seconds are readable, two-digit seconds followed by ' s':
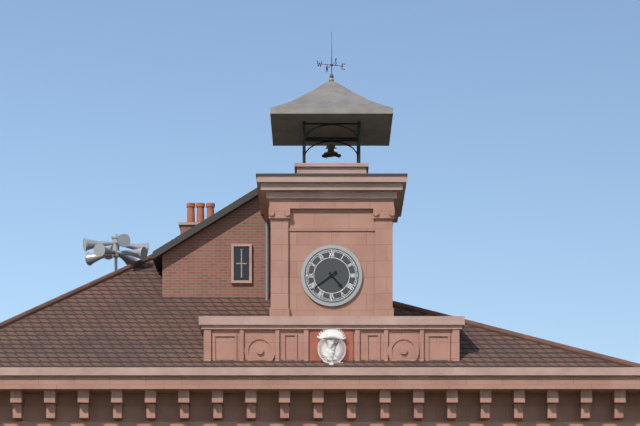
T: 4 h 39 min
